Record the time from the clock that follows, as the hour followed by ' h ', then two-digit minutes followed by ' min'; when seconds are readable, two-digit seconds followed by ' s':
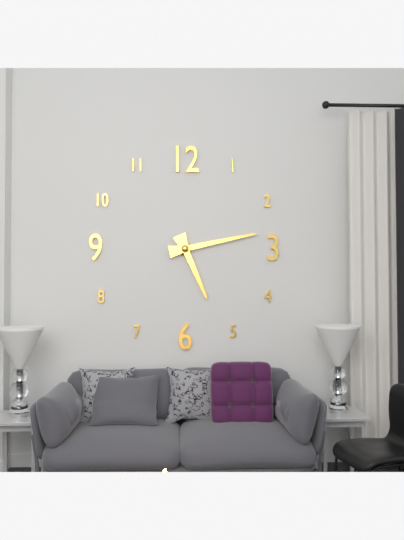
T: 5 h 13 min
